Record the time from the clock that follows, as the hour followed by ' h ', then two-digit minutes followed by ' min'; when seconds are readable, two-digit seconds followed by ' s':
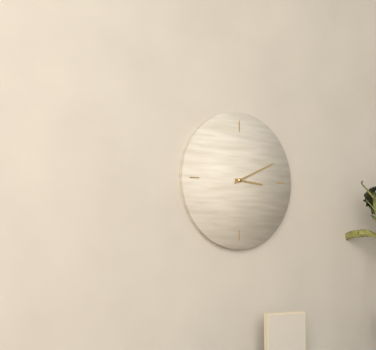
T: 3 h 11 min
